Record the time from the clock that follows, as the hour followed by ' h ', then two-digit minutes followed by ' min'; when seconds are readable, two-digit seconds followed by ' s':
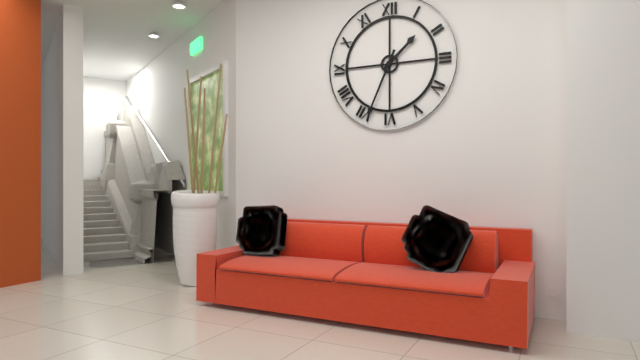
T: 1 h 34 min
